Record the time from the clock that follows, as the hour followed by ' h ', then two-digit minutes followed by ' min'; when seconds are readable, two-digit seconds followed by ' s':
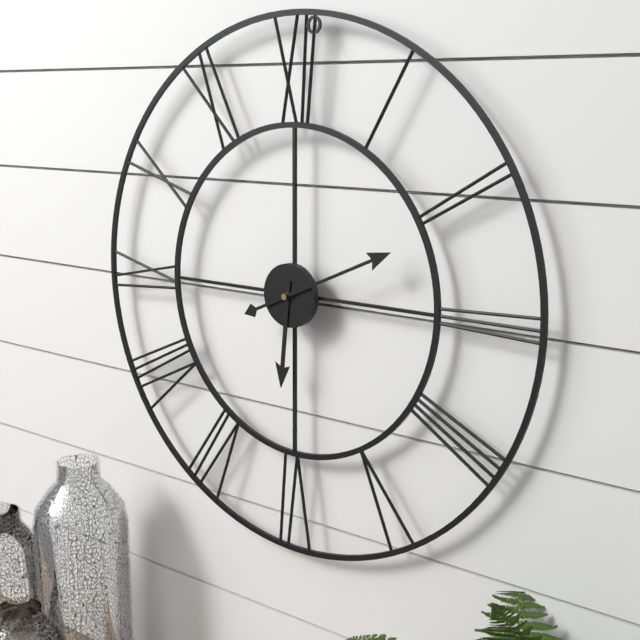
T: 6 h 11 min
